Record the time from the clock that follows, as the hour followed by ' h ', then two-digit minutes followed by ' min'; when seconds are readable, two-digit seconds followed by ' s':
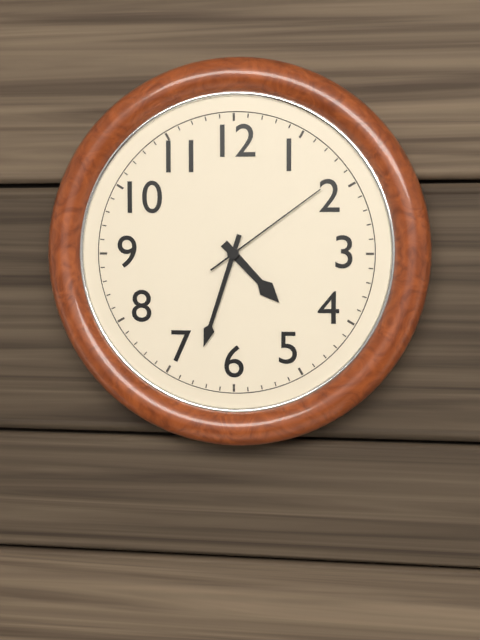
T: 4 h 33 min 09 s
